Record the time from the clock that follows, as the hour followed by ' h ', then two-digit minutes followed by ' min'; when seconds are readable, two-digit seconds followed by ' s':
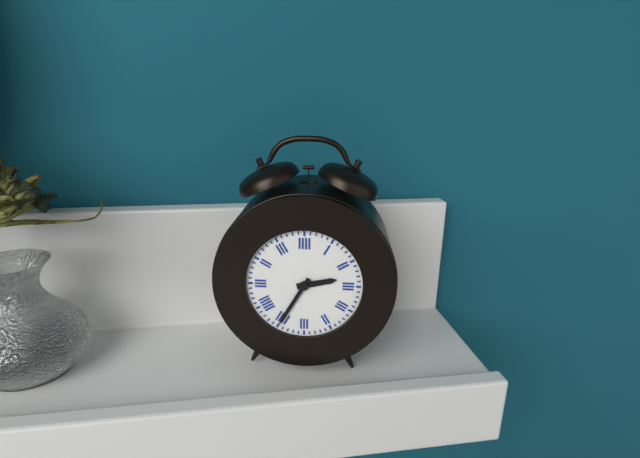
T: 2 h 35 min
